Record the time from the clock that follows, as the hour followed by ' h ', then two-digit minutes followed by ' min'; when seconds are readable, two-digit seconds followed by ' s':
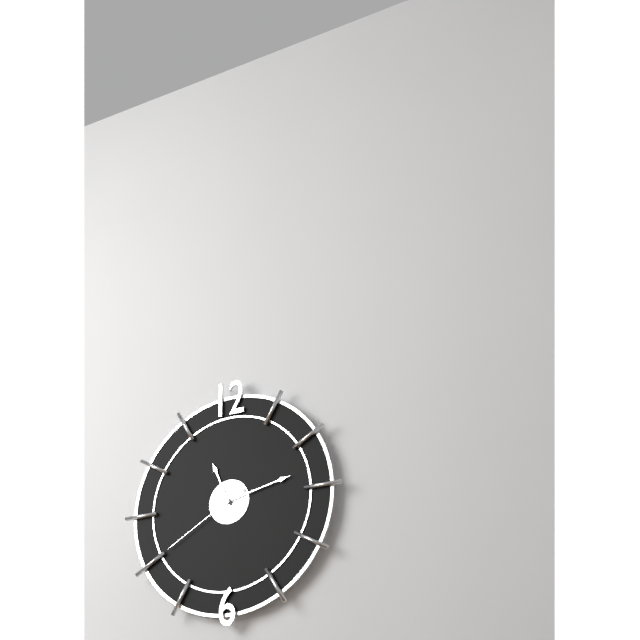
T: 11 h 13 min 40 s
